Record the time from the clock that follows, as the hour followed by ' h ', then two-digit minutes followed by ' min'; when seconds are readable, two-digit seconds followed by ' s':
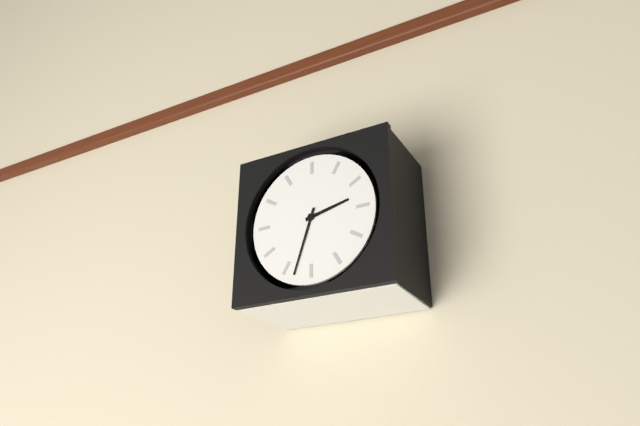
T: 2 h 33 min
